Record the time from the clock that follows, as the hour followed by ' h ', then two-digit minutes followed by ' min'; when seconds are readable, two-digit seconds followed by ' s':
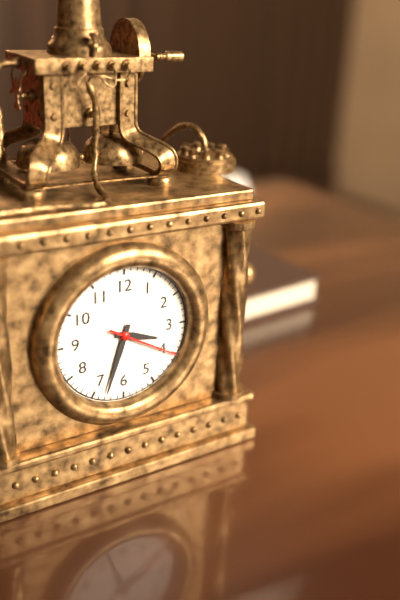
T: 3 h 33 min 20 s
